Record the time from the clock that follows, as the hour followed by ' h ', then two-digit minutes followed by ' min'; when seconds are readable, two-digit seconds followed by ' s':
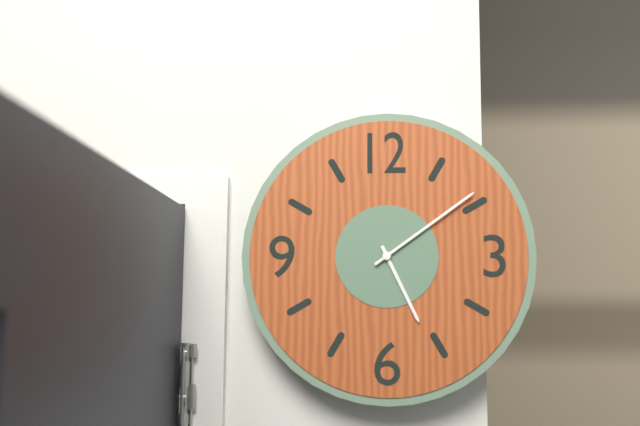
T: 5 h 09 min
